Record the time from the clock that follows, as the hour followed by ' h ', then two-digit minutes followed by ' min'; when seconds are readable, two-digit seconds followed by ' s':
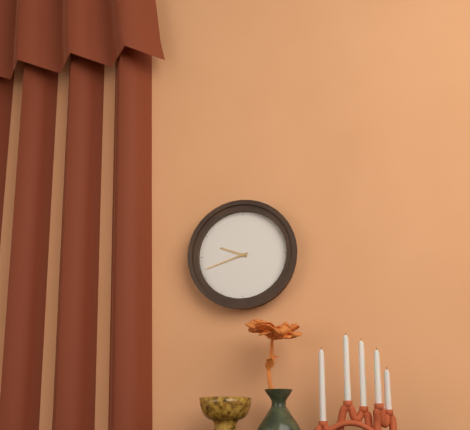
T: 9 h 42 min
